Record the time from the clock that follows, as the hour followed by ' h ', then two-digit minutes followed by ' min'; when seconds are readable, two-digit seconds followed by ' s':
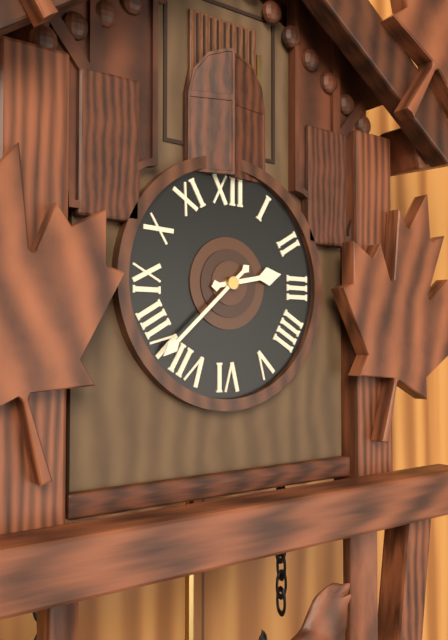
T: 2 h 38 min
